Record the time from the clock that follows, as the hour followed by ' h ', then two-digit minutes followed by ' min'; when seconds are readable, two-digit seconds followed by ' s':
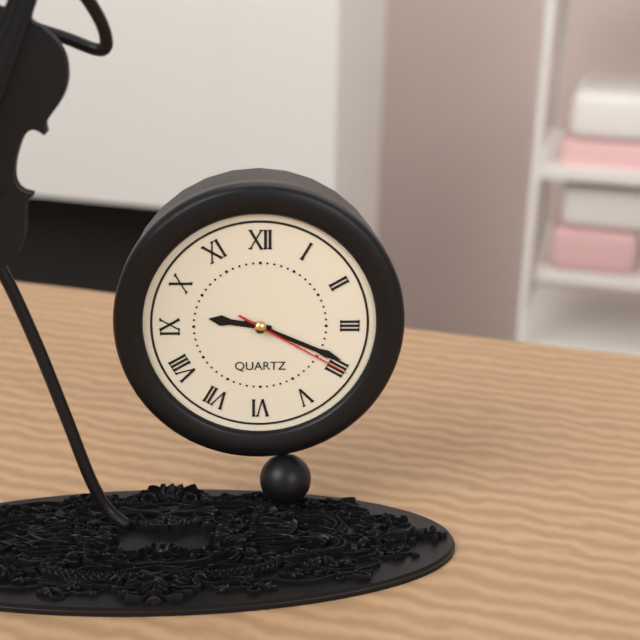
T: 9 h 19 min 20 s
